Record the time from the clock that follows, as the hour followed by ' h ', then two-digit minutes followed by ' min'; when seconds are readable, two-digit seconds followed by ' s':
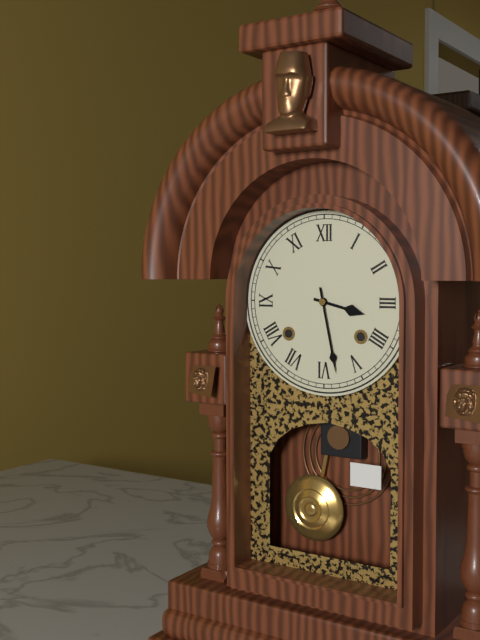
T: 3 h 28 min
